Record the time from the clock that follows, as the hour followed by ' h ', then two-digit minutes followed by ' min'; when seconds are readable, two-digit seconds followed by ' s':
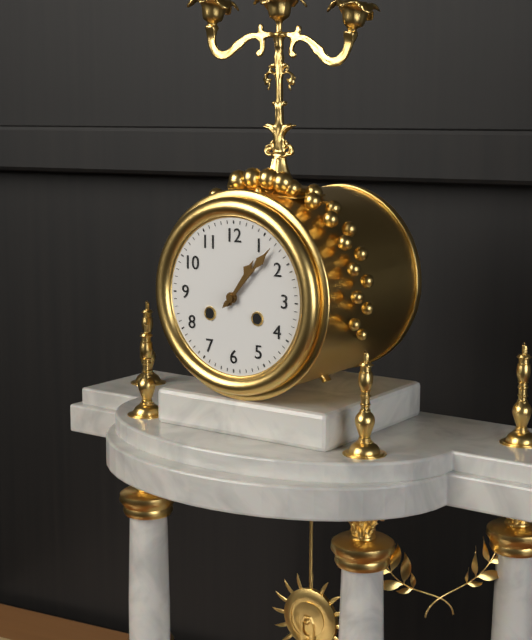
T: 1 h 07 min
